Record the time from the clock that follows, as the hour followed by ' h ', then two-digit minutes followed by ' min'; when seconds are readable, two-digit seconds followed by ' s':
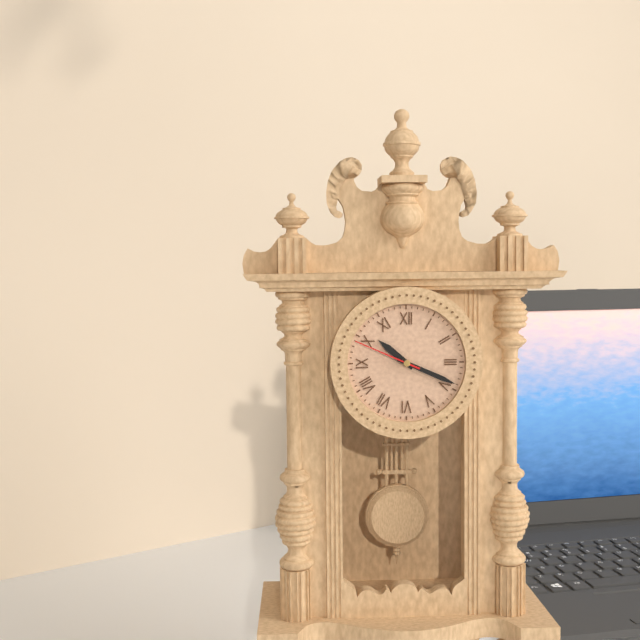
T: 10 h 19 min 49 s
